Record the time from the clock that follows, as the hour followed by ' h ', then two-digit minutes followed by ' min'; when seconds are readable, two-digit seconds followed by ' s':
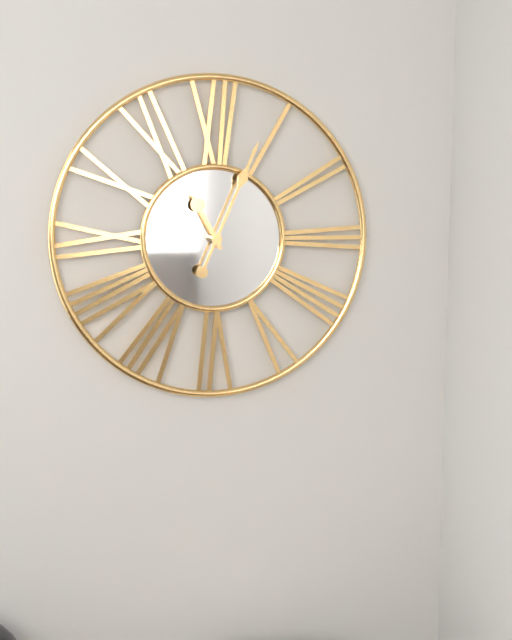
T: 11 h 04 min
